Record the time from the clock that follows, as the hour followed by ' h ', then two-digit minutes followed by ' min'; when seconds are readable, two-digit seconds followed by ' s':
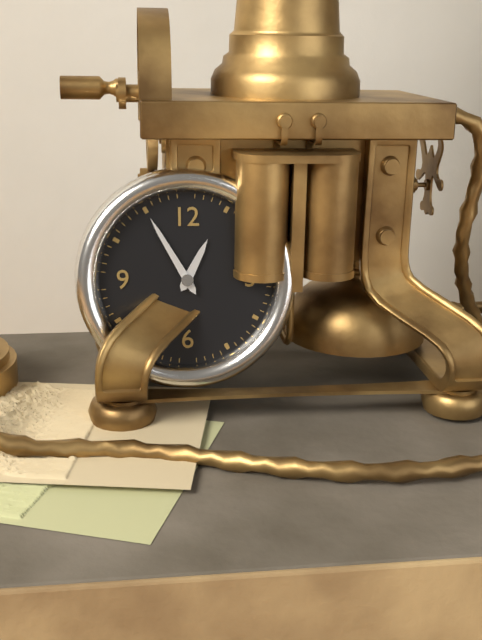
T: 12 h 55 min
